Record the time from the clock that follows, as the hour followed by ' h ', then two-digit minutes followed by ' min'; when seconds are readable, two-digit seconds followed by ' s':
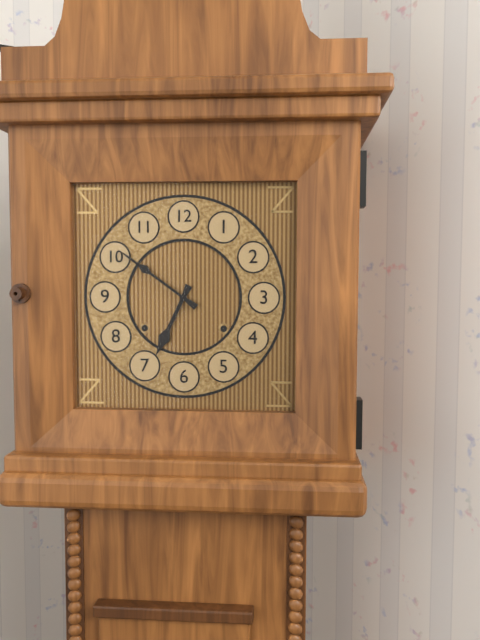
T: 6 h 51 min
